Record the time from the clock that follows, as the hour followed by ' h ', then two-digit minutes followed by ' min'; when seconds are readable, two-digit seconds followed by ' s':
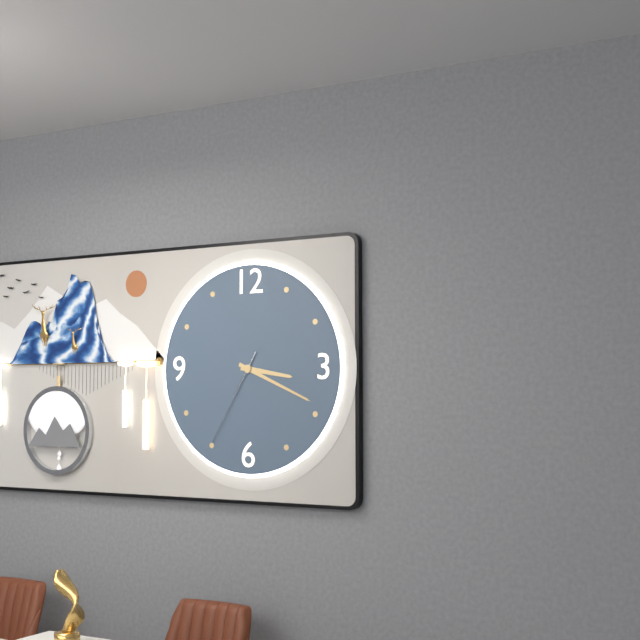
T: 3 h 19 min 35 s
